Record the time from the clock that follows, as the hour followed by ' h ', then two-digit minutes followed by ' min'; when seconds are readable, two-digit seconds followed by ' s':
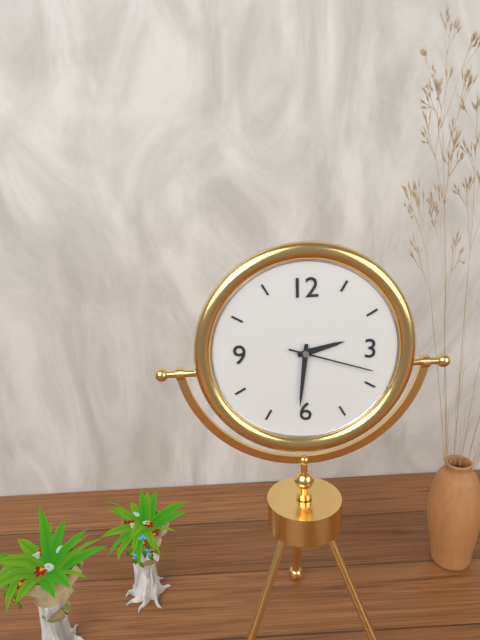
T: 2 h 31 min 18 s
